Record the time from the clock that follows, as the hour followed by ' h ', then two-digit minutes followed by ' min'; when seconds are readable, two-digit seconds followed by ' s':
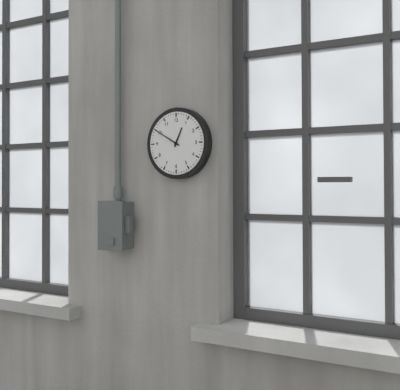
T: 12 h 50 min
